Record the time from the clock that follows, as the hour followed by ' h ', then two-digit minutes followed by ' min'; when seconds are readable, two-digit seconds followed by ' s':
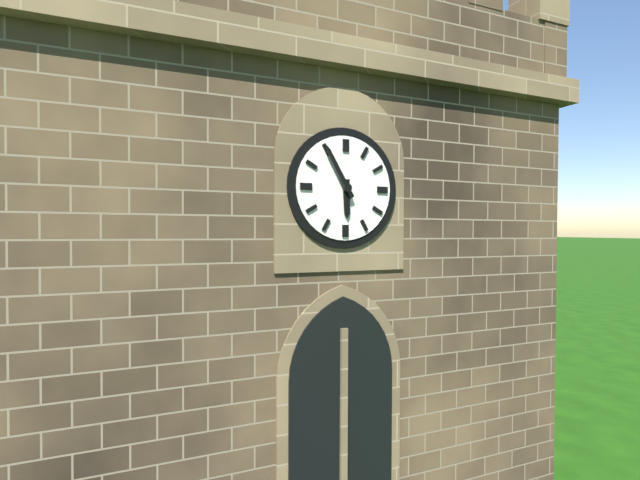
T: 5 h 55 min
